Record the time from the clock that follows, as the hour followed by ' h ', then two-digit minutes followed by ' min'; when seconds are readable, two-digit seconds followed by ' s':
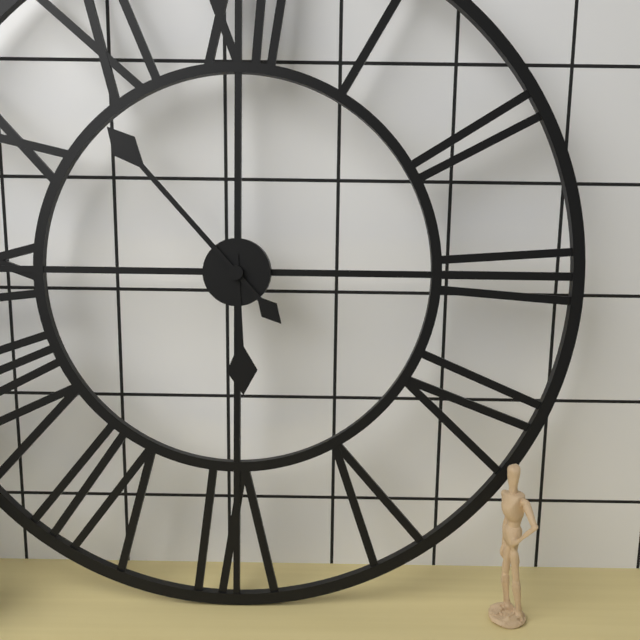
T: 5 h 53 min
